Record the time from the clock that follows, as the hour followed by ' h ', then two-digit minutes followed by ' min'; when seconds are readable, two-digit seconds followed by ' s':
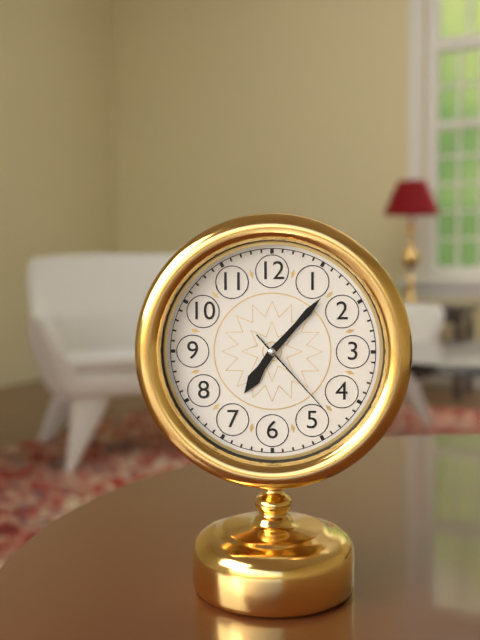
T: 7 h 07 min 23 s
